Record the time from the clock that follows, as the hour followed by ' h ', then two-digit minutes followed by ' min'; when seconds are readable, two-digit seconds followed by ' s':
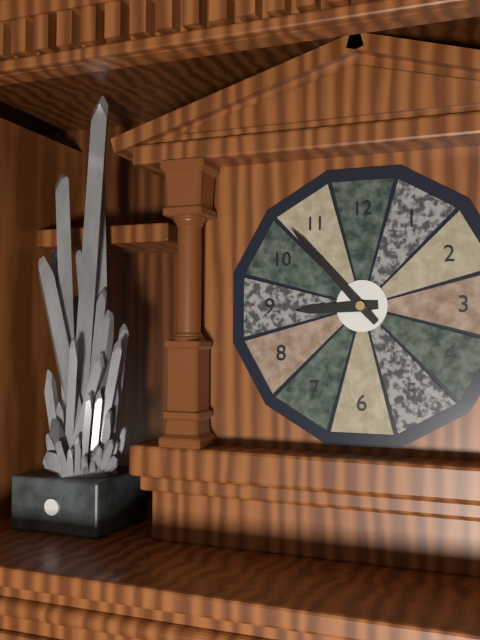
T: 8 h 53 min
